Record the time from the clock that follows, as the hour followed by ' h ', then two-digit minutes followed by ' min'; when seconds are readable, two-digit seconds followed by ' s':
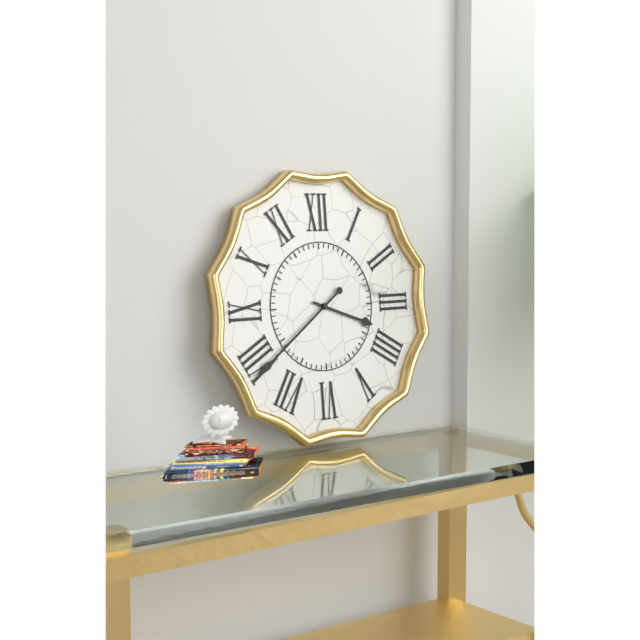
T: 3 h 39 min
